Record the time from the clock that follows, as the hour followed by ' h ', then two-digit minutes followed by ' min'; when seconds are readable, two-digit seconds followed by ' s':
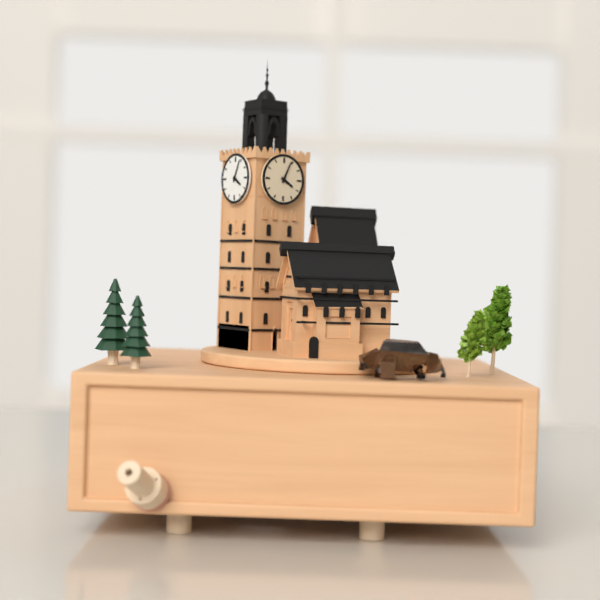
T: 4 h 04 min
